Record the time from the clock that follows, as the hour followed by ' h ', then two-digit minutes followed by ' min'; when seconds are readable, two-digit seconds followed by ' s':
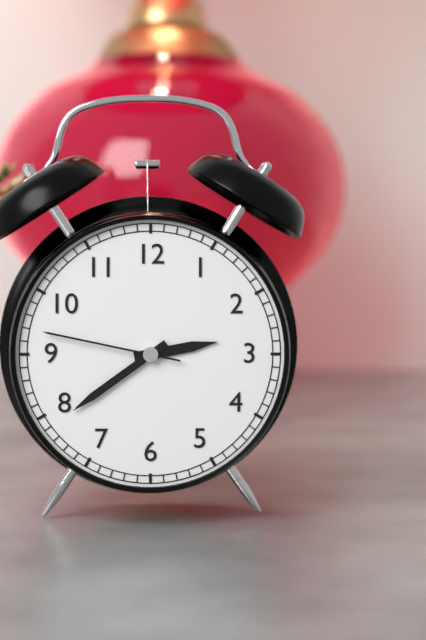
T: 2 h 39 min 47 s
